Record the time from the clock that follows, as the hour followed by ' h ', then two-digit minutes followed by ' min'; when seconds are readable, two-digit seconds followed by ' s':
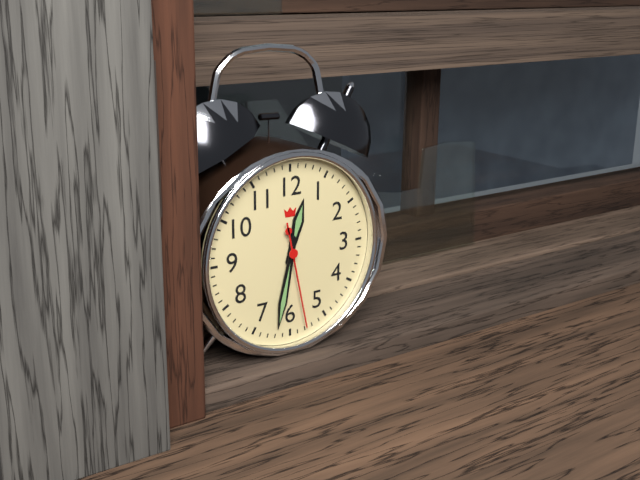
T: 12 h 32 min 28 s
